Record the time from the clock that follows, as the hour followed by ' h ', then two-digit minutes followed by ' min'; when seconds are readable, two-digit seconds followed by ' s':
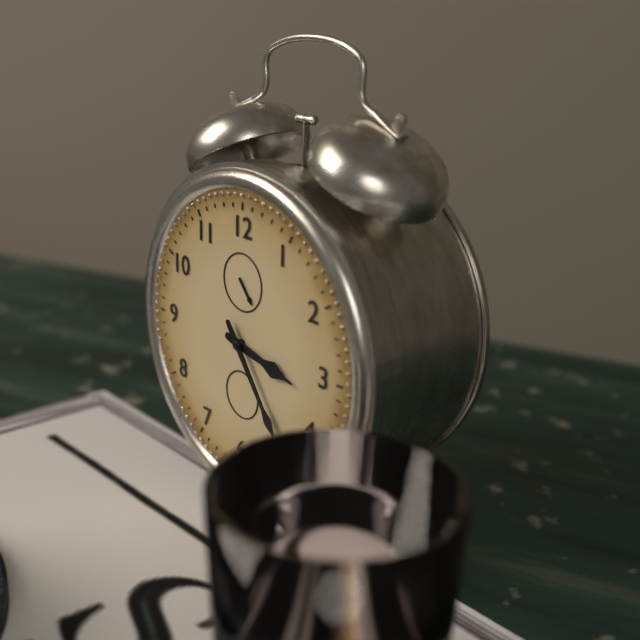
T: 3 h 24 min
